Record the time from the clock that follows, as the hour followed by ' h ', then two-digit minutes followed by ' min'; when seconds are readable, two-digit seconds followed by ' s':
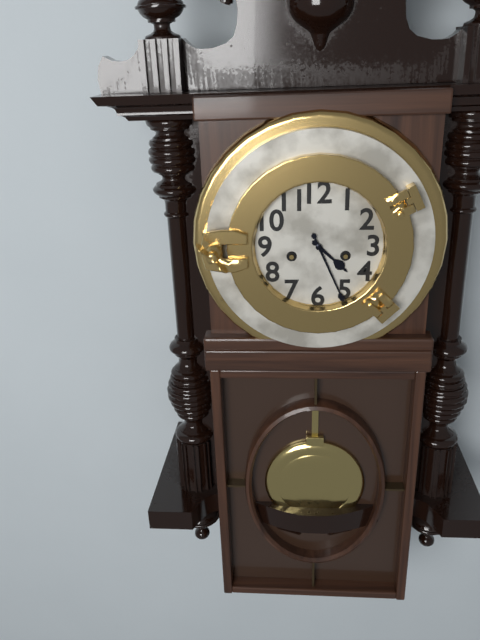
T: 4 h 26 min
